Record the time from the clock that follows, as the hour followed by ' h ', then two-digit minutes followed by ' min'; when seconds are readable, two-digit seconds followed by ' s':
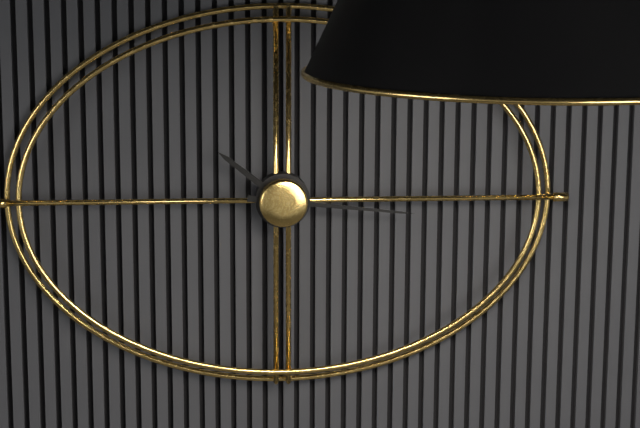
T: 10 h 16 min
